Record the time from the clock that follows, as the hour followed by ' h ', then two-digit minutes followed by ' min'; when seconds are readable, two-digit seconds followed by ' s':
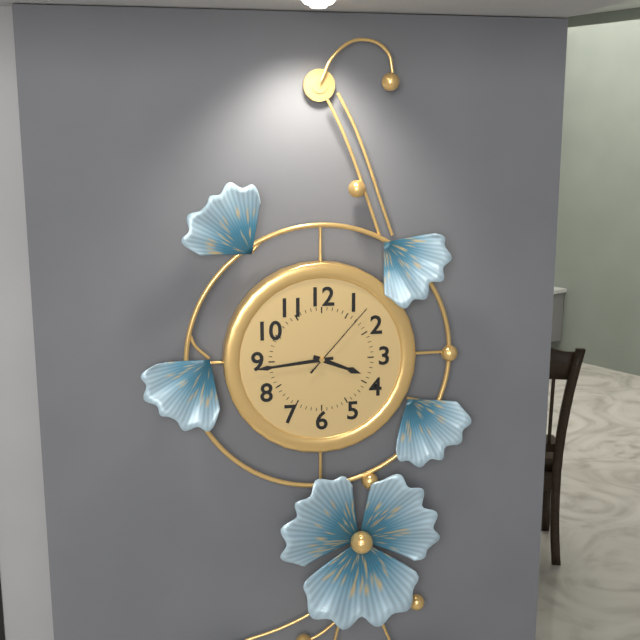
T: 3 h 44 min 07 s
